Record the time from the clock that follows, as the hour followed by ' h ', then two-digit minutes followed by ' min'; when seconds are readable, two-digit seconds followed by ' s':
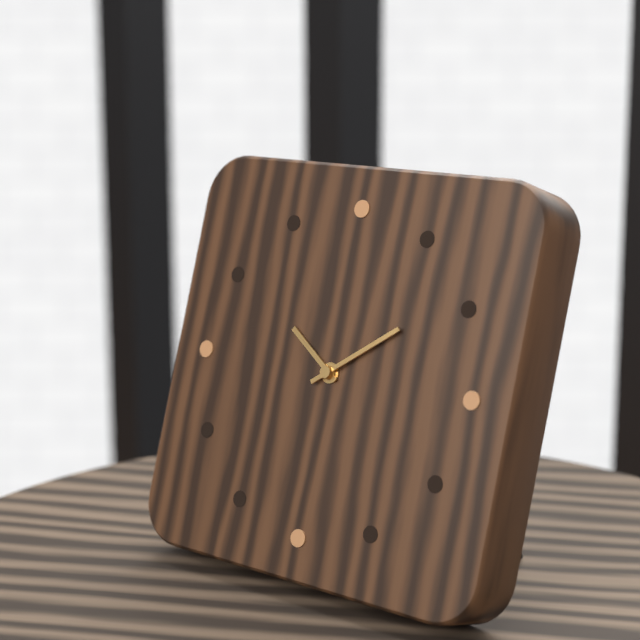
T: 10 h 09 min
